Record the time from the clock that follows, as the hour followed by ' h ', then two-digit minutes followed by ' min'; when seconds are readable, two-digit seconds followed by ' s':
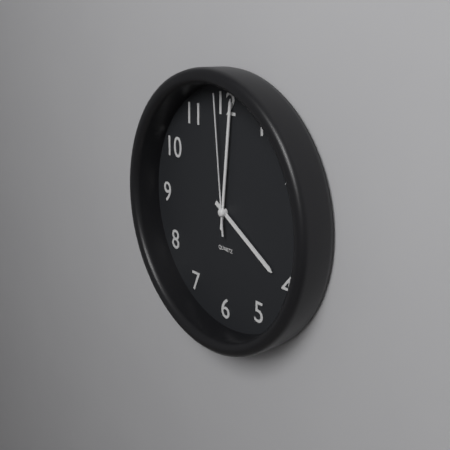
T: 4 h 01 min 59 s
